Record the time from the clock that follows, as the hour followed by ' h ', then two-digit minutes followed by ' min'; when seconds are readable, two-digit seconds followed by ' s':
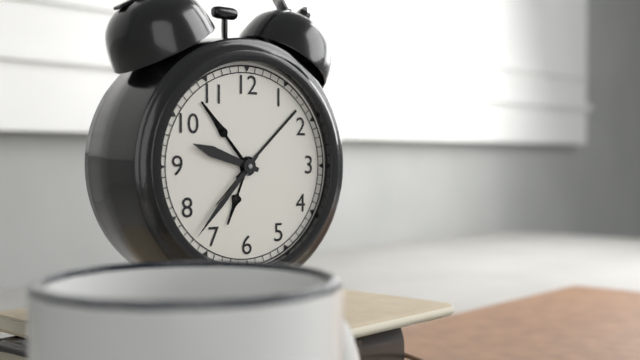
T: 9 h 37 min
